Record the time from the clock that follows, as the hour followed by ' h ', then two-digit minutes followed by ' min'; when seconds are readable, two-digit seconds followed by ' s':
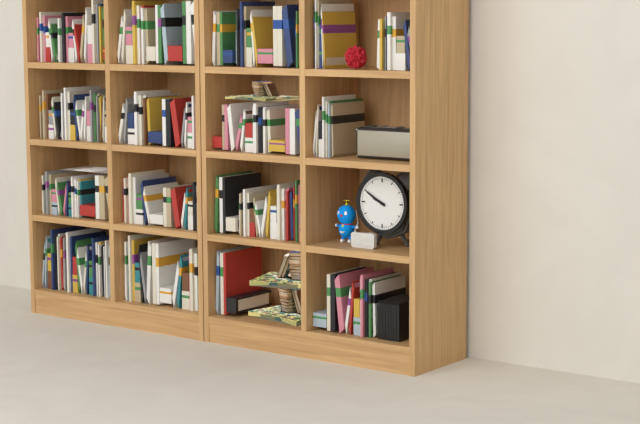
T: 9 h 50 min
